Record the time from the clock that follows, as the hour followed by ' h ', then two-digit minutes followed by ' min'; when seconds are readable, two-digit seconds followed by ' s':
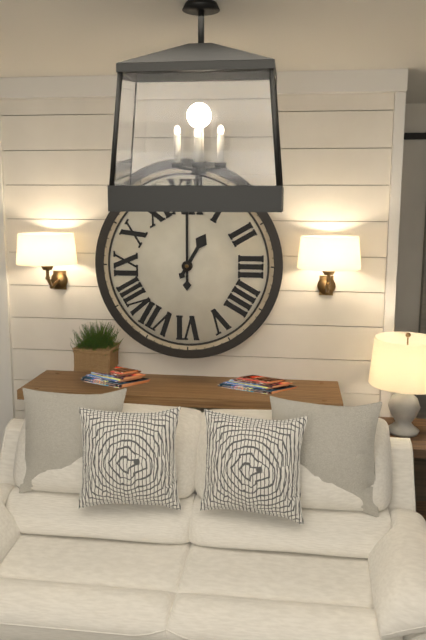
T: 1 h 00 min
